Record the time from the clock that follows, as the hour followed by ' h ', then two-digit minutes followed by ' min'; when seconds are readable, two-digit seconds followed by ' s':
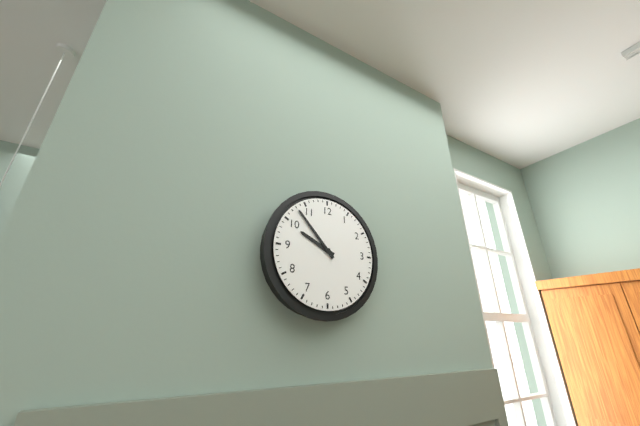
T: 9 h 53 min
